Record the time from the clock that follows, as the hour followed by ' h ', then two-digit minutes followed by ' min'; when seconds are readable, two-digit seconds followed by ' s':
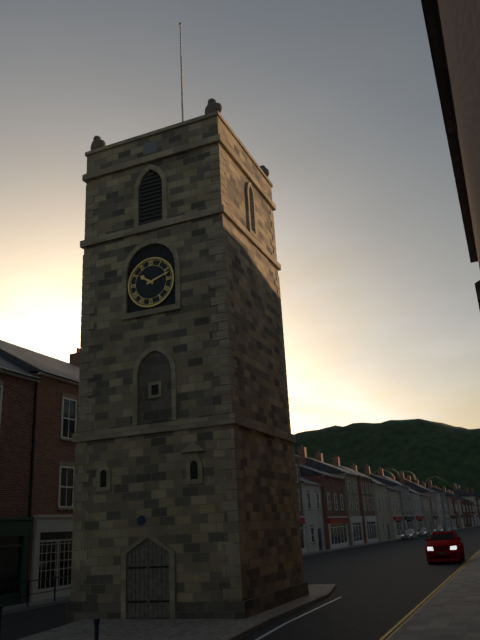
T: 10 h 12 min
